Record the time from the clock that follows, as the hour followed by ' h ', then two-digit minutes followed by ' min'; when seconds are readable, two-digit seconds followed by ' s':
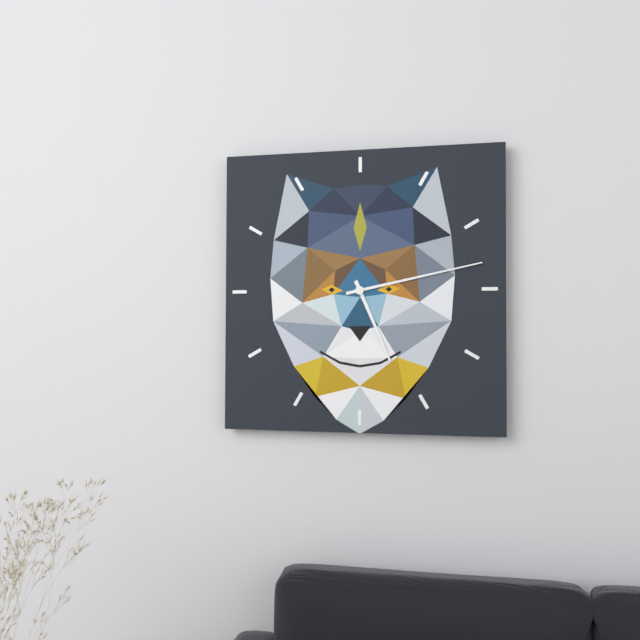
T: 5 h 13 min
